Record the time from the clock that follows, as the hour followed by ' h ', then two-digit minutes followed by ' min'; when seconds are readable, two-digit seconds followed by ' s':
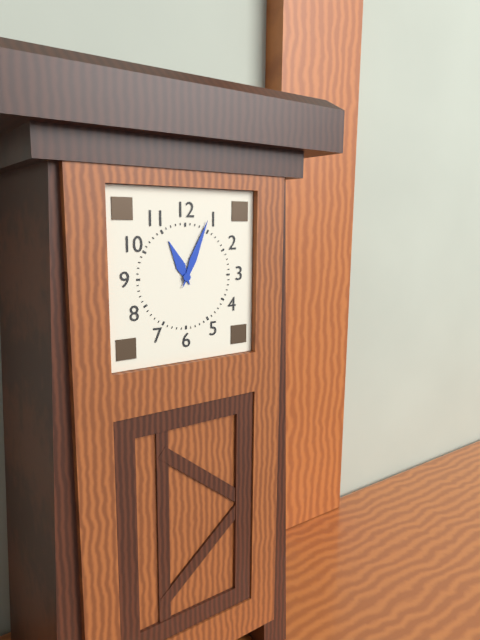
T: 11 h 04 min
